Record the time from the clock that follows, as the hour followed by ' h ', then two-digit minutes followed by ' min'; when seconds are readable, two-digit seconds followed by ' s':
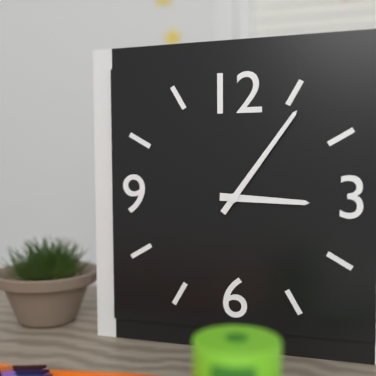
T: 3 h 06 min
